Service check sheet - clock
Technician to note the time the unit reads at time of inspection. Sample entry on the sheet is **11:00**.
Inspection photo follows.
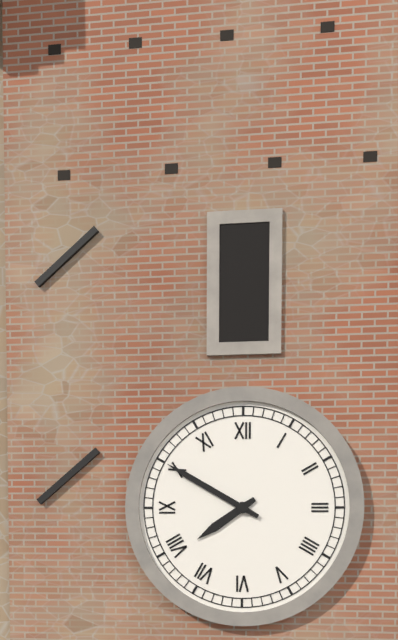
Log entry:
**7:50**
